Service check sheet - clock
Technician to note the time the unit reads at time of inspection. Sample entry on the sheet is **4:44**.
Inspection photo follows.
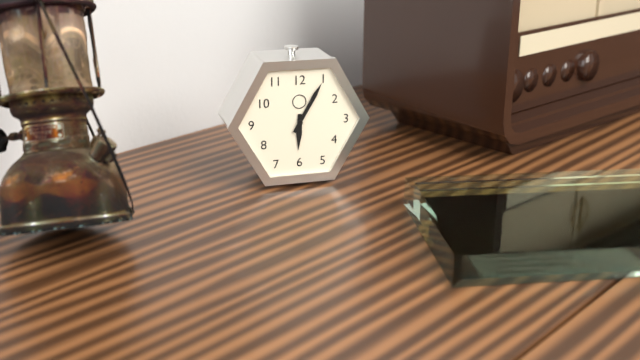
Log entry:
**6:05**
